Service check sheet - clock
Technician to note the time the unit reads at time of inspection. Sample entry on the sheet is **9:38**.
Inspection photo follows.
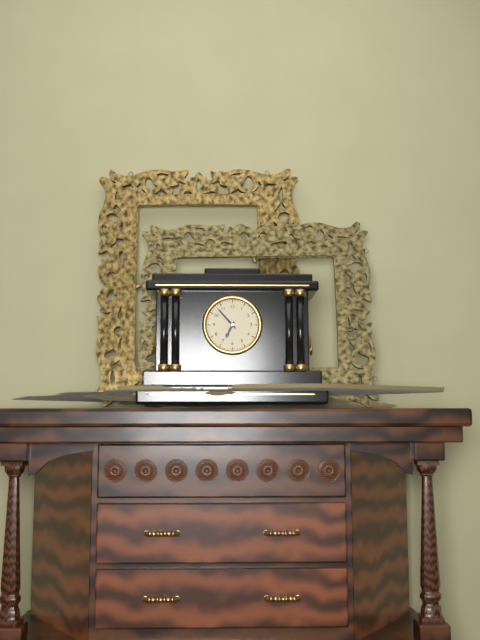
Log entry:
**6:53**
